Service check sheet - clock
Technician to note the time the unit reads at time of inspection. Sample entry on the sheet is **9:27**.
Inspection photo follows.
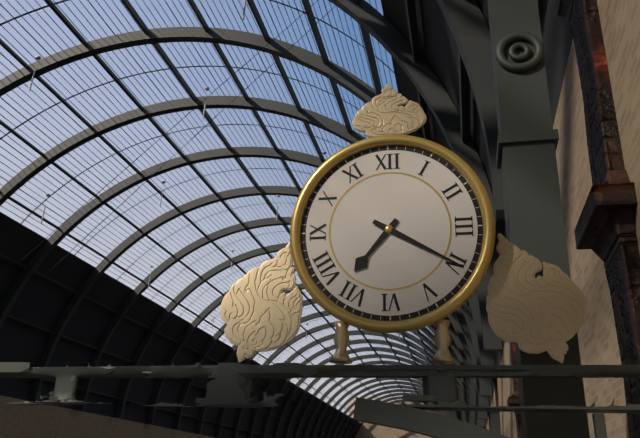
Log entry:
**7:20**
